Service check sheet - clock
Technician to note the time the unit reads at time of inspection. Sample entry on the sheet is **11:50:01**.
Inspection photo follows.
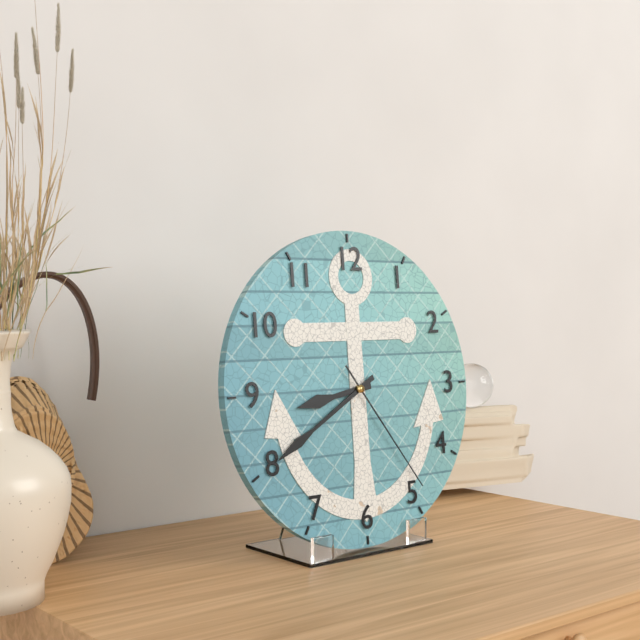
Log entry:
**8:40:24**
